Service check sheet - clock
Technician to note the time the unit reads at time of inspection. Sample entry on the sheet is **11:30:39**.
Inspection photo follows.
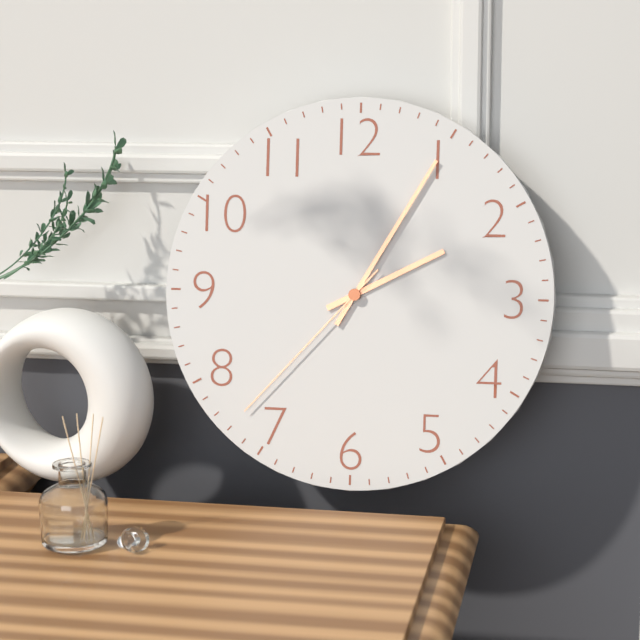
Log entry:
**2:05:37**
